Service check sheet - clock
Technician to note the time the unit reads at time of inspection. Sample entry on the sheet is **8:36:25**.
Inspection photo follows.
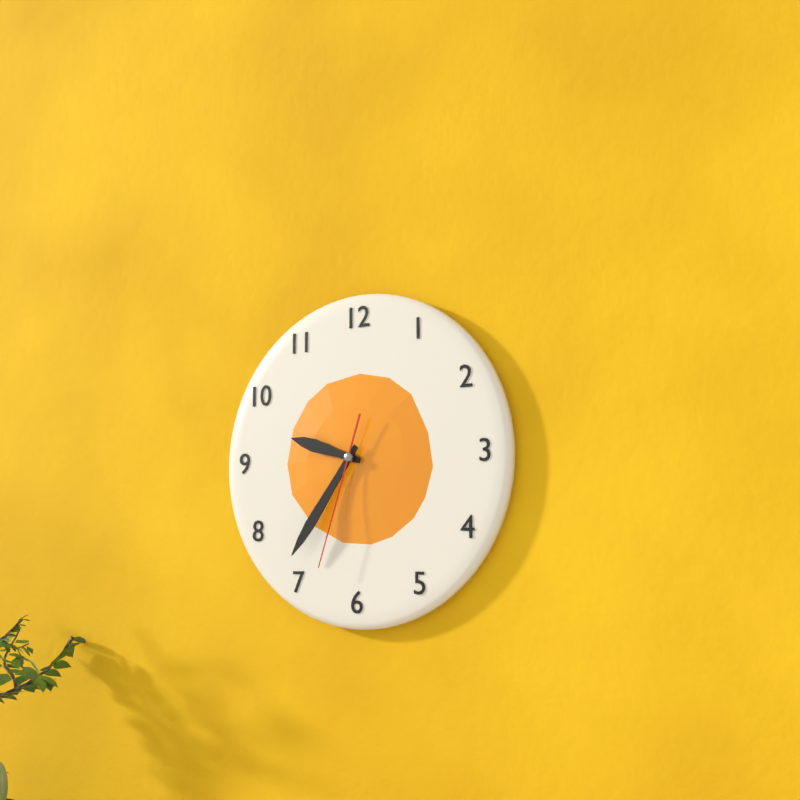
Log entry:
**9:36:33**
